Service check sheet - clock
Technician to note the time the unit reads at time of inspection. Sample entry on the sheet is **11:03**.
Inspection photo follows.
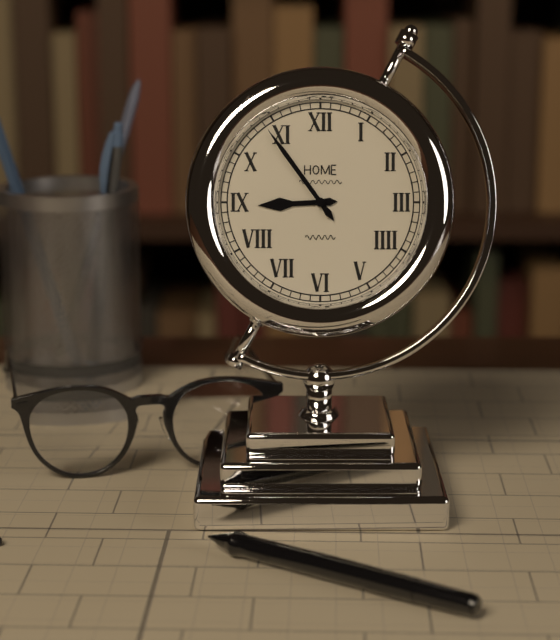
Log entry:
**8:54**
